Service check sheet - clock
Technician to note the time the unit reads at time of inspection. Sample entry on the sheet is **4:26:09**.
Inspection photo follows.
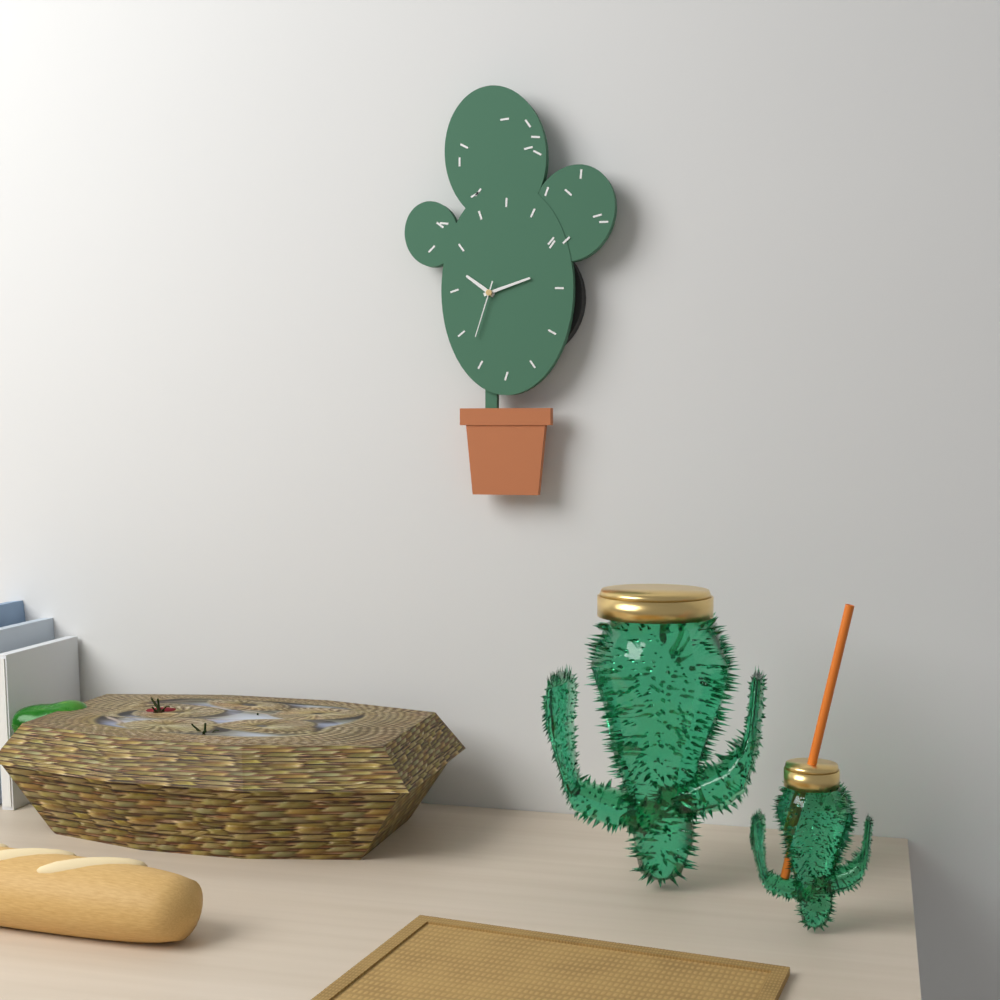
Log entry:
**10:12:33**
